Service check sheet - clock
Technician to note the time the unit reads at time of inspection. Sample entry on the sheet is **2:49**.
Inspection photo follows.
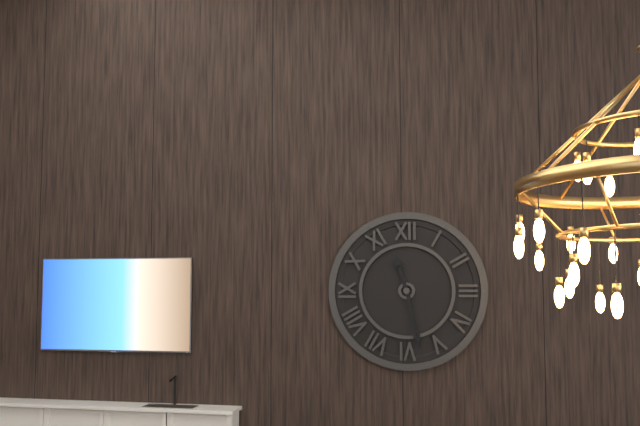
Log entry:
**11:28**
